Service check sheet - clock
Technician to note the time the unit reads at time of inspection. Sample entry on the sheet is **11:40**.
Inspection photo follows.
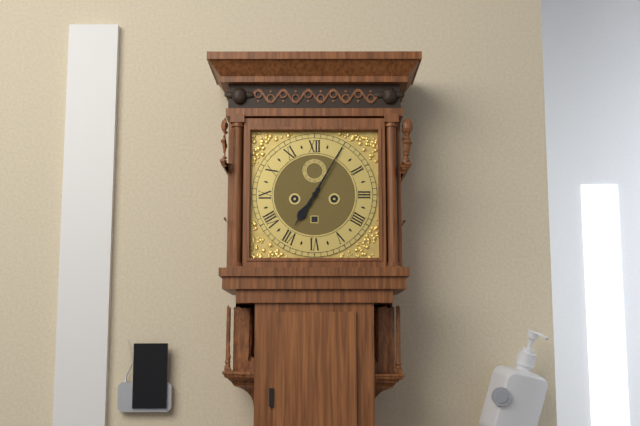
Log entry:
**7:05**
